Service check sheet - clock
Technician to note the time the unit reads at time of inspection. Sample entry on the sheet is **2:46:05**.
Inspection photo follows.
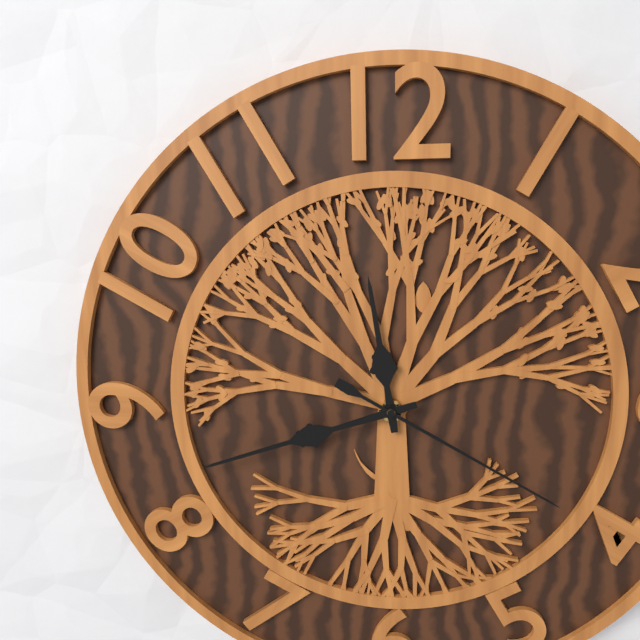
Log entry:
**11:42:20**
